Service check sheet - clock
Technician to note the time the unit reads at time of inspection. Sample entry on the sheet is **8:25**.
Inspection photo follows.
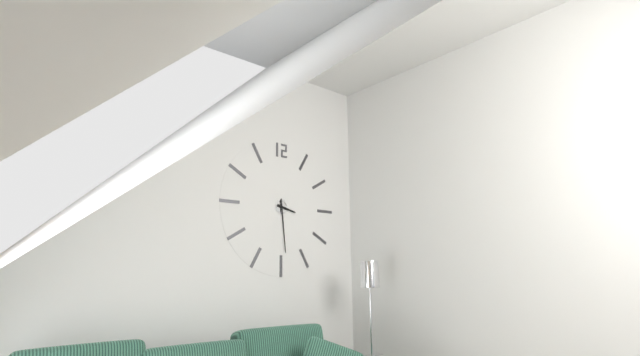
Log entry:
**3:29**
